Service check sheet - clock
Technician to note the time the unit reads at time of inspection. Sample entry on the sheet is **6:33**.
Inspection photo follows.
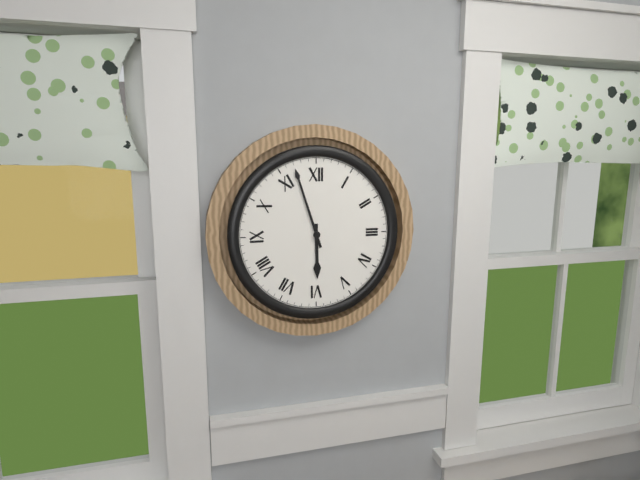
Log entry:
**5:57**
